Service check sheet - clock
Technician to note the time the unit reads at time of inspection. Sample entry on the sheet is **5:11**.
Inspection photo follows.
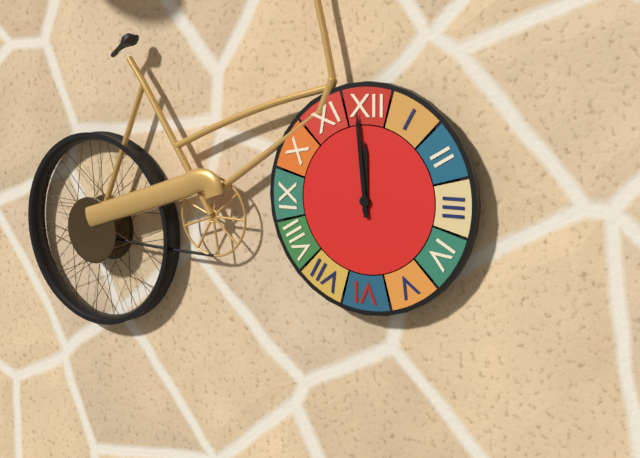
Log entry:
**11:59**
